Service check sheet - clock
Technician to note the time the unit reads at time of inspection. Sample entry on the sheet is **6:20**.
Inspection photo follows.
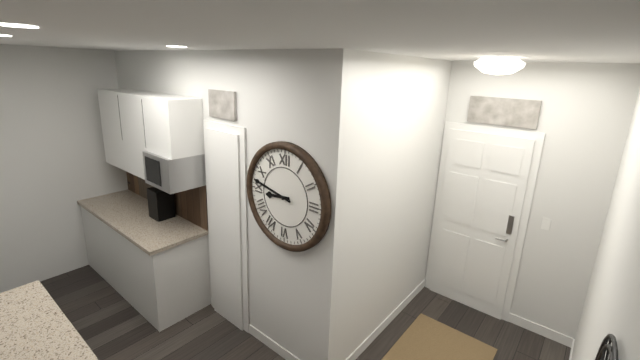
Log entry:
**8:47**
